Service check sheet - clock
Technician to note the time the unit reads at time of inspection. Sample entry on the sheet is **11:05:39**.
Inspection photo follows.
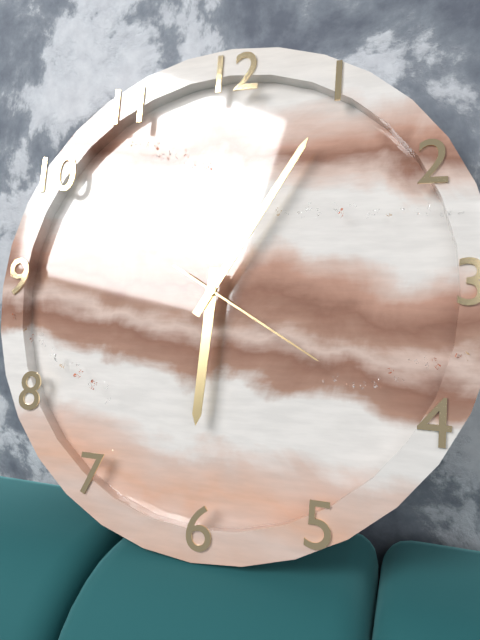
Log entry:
**6:05:20**
